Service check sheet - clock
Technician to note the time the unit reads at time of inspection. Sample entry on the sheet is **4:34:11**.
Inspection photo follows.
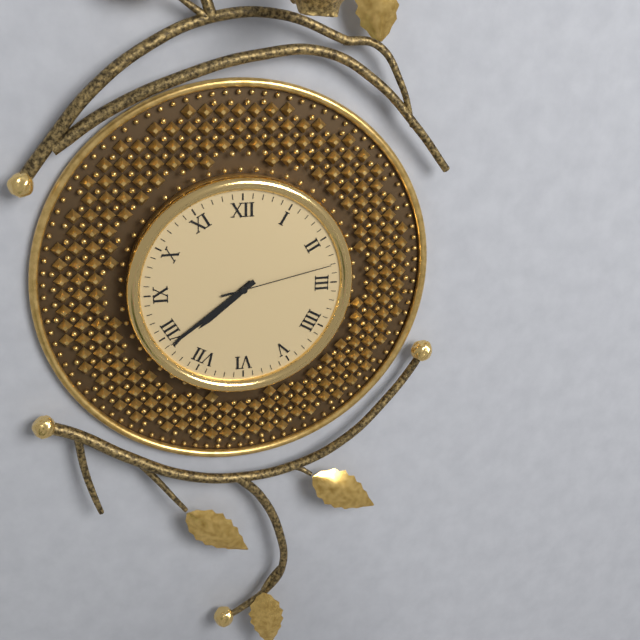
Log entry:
**7:39:13**
